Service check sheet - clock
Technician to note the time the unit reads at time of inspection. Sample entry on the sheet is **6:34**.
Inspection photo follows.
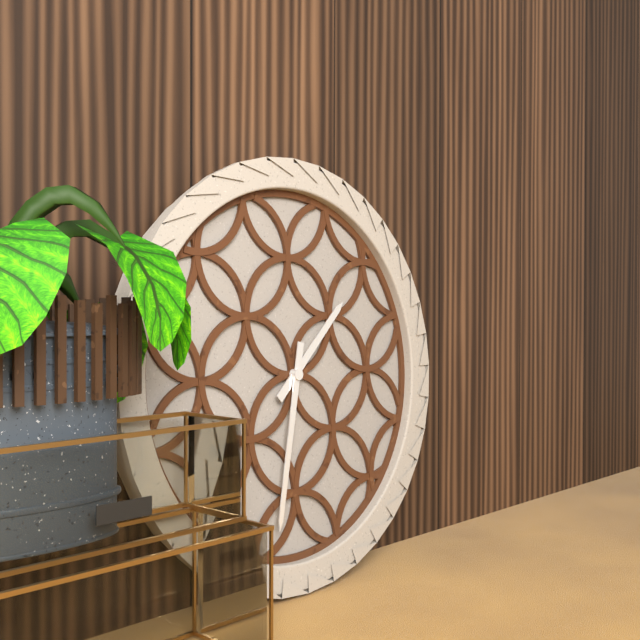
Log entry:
**1:32**
